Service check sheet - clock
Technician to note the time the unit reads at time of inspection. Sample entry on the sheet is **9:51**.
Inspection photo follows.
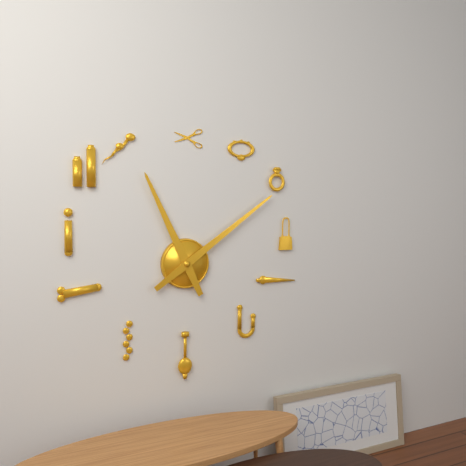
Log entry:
**11:09**
